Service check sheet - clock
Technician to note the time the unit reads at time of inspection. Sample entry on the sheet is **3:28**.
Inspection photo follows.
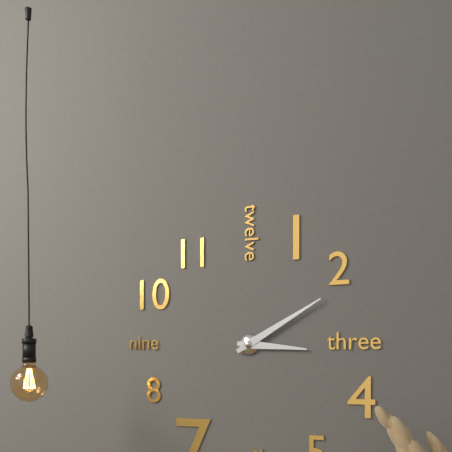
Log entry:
**3:10**
